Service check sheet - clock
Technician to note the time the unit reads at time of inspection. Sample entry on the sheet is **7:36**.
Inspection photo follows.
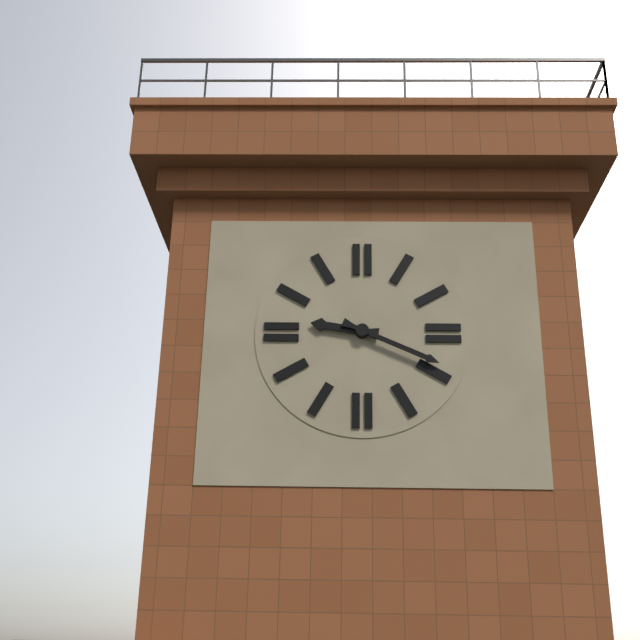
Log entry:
**9:19**
